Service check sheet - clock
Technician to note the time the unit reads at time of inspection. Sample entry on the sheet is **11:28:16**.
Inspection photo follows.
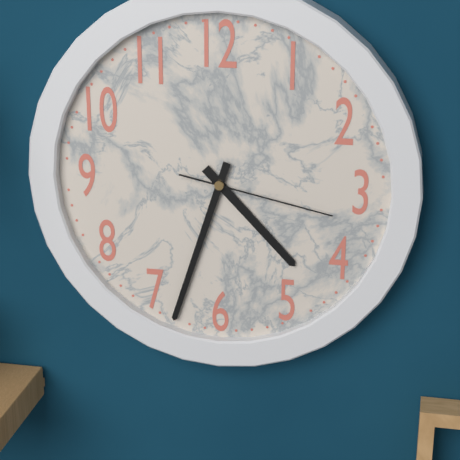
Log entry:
**4:33:17**
